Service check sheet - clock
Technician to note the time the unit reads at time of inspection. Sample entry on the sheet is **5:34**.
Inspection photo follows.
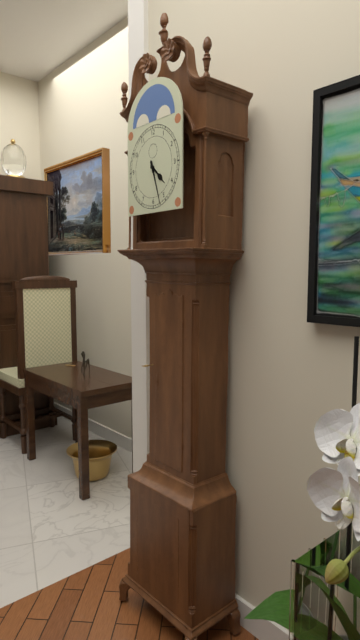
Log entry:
**4:27**
